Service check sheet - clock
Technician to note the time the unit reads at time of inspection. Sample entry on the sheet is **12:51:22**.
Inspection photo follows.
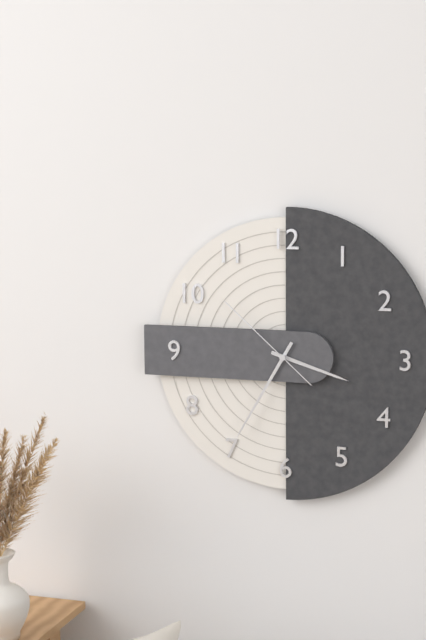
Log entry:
**3:35:52**
